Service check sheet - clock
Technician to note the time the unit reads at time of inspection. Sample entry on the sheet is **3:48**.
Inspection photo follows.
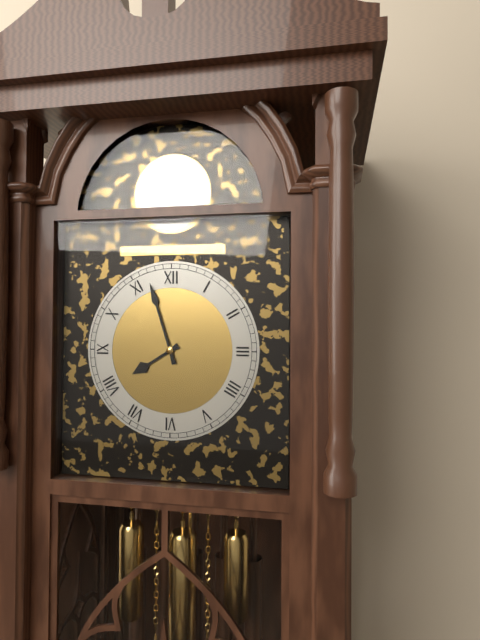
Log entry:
**7:57**
